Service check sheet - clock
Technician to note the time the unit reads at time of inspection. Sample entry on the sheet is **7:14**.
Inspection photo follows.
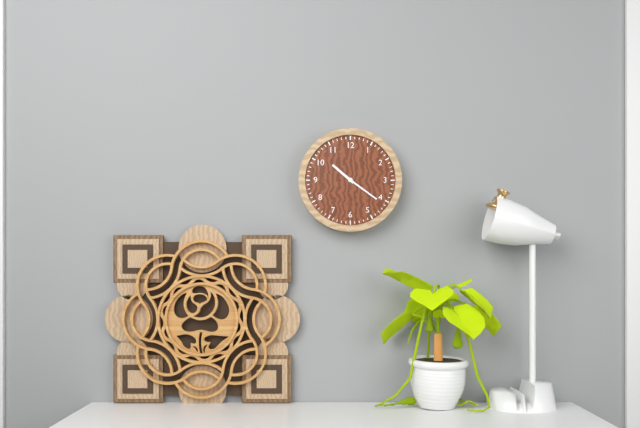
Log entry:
**10:21**
